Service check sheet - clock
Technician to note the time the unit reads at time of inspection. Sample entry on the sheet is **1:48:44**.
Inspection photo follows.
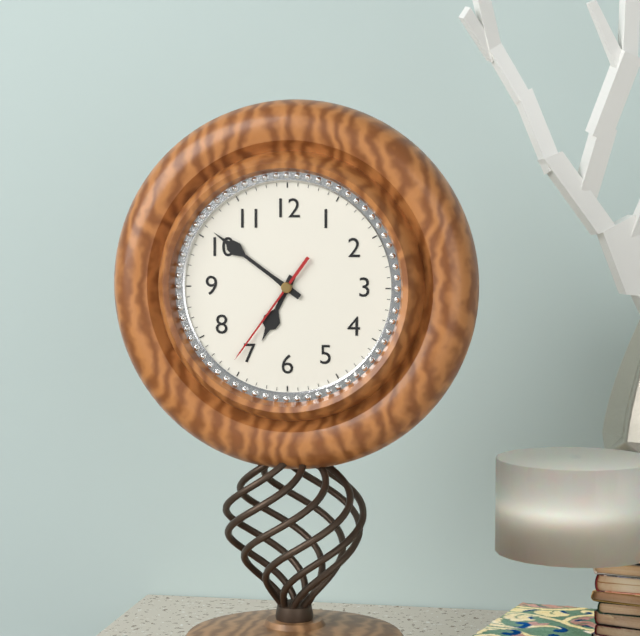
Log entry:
**6:51:36**
